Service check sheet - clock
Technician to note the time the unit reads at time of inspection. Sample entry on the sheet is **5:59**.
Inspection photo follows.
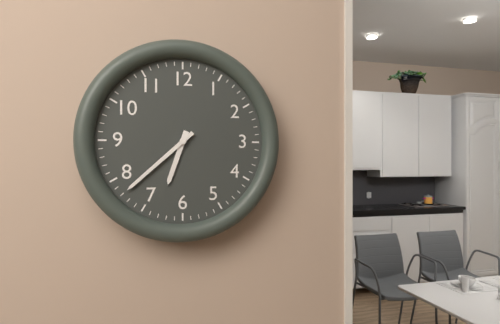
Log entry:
**6:38**
